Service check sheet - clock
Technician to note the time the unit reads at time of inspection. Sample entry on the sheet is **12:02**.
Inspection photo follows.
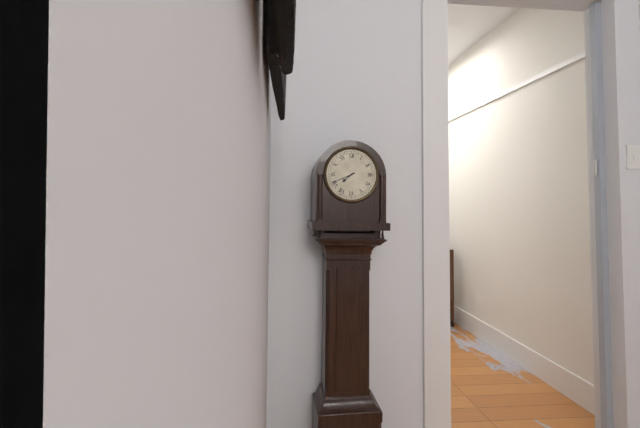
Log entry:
**7:41**
